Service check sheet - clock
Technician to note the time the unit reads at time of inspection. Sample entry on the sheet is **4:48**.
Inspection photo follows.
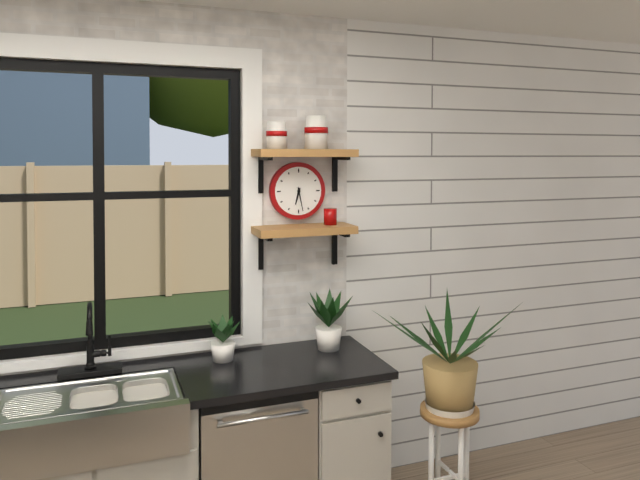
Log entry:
**6:28**
